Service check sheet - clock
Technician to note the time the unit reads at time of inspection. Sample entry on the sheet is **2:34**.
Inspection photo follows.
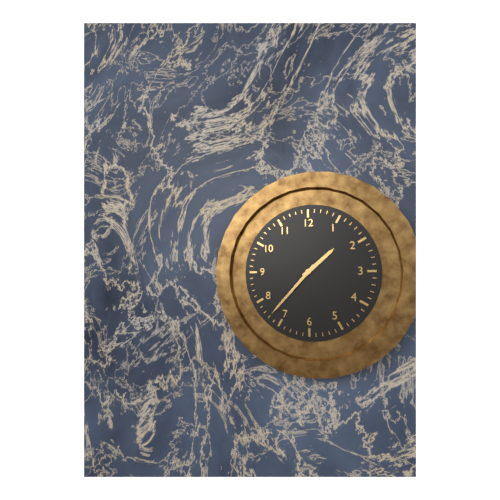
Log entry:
**1:37**
